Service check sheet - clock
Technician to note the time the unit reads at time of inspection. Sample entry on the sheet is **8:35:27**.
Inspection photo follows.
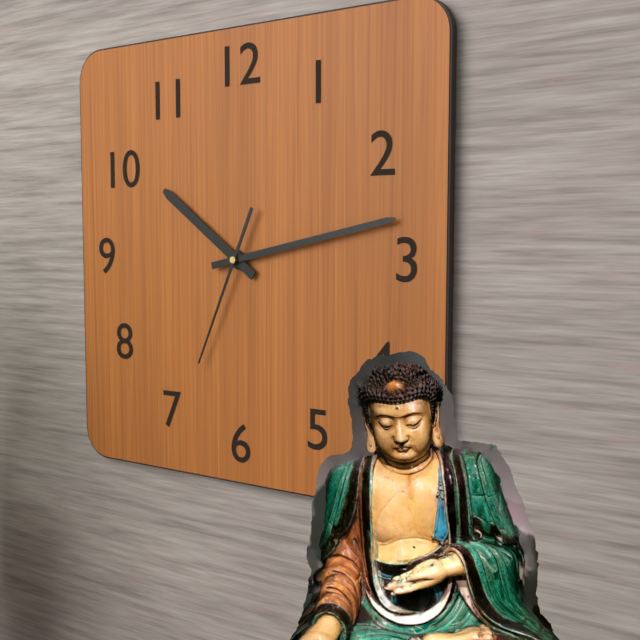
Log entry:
**10:13:34**
